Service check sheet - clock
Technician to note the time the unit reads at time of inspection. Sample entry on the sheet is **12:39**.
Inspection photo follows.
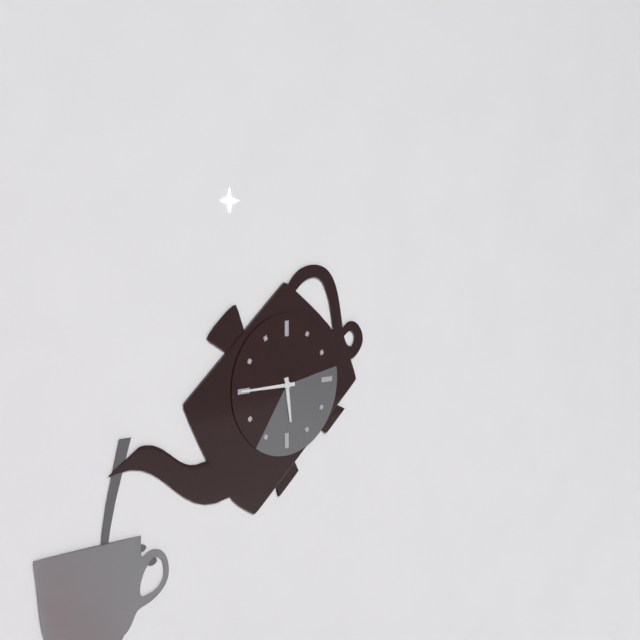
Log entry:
**5:45**
